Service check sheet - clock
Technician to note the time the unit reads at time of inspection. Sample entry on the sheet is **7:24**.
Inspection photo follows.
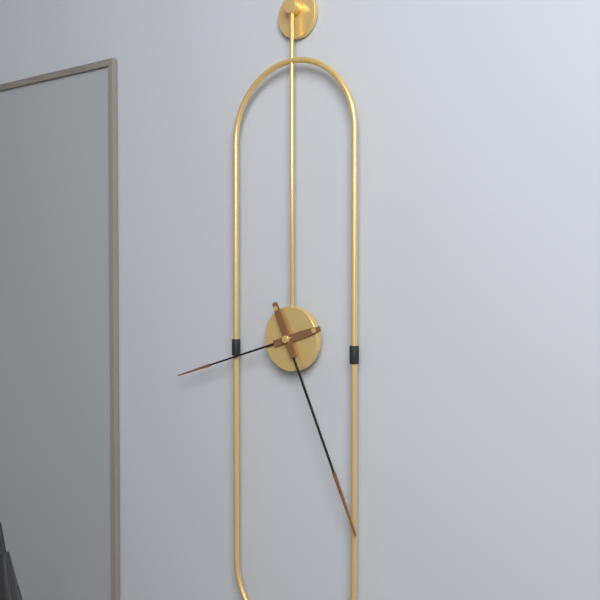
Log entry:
**8:26**
